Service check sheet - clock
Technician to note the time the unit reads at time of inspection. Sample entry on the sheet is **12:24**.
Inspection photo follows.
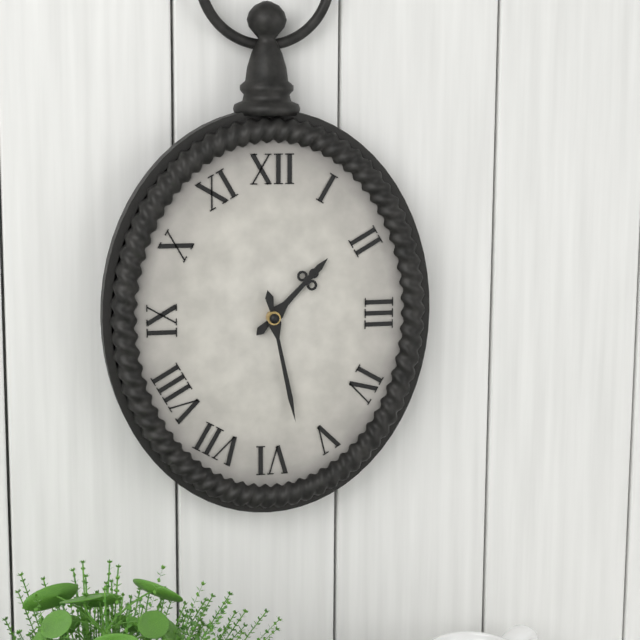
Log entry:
**1:28**
